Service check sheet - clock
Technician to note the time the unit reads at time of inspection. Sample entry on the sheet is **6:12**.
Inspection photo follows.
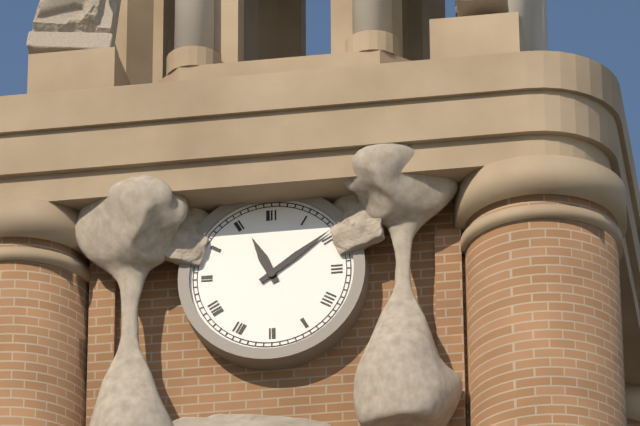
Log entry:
**11:09**
